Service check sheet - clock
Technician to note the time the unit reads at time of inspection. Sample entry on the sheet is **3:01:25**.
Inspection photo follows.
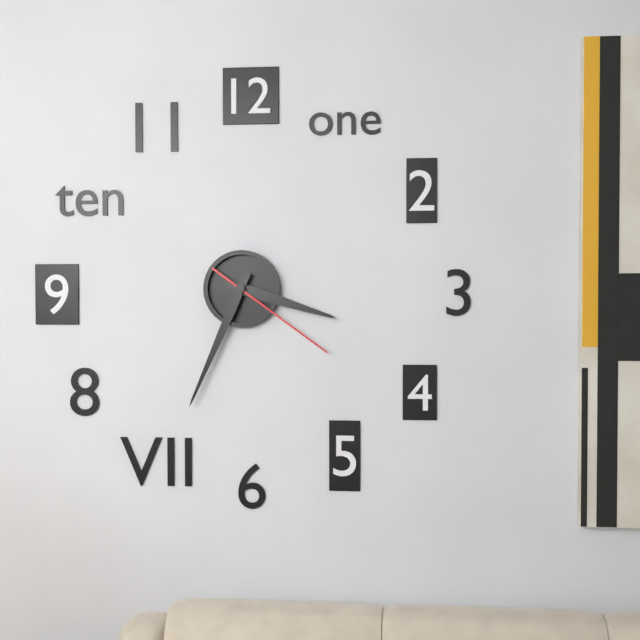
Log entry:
**3:34:21**
